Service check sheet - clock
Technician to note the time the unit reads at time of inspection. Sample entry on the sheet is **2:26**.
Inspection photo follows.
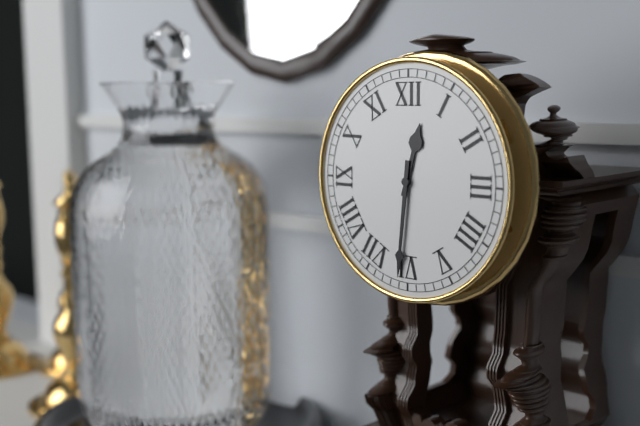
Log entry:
**12:31**
